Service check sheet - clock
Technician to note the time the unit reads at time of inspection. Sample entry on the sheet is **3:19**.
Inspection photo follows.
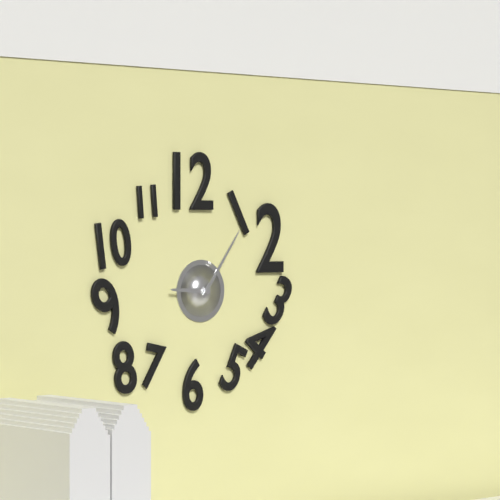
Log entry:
**9:06**
